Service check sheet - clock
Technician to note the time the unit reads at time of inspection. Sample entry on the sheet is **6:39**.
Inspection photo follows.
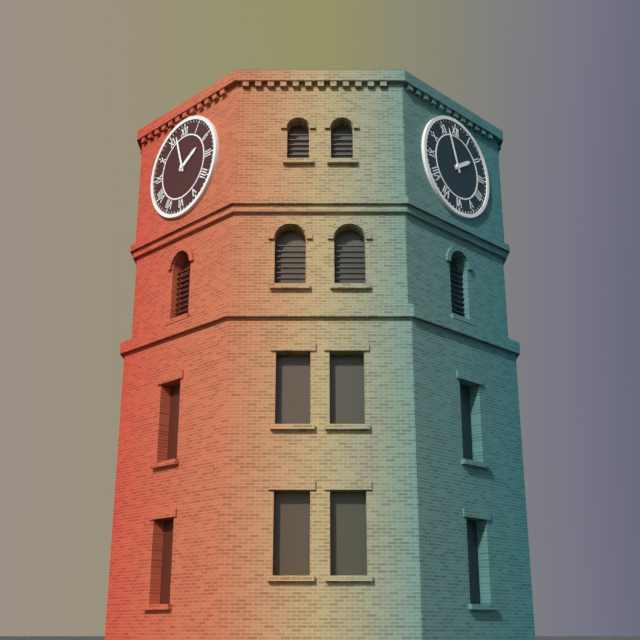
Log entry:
**1:57**
